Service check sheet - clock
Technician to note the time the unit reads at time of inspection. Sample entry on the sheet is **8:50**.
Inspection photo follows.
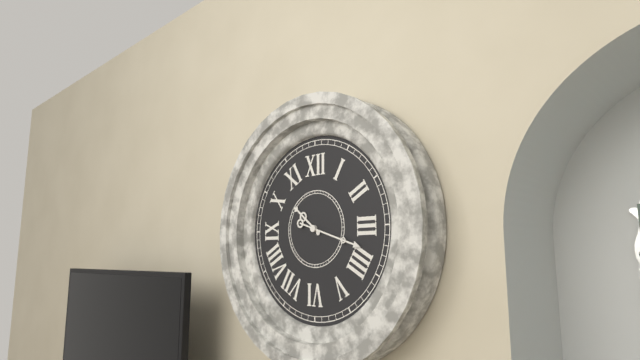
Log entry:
**10:18**
